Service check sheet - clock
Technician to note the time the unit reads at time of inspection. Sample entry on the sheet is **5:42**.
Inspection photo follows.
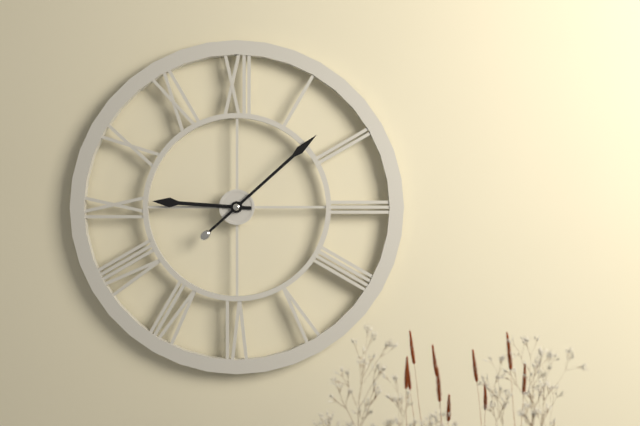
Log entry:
**9:08**
